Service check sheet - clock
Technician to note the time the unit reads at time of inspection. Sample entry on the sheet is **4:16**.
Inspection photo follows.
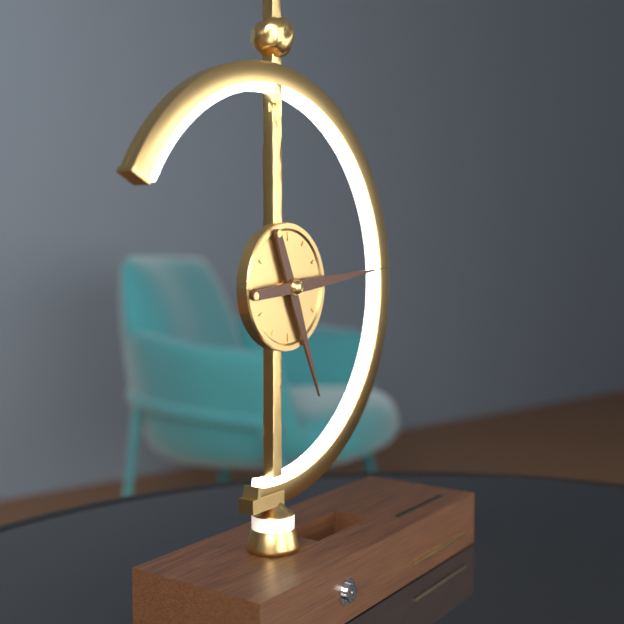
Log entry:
**5:14**
